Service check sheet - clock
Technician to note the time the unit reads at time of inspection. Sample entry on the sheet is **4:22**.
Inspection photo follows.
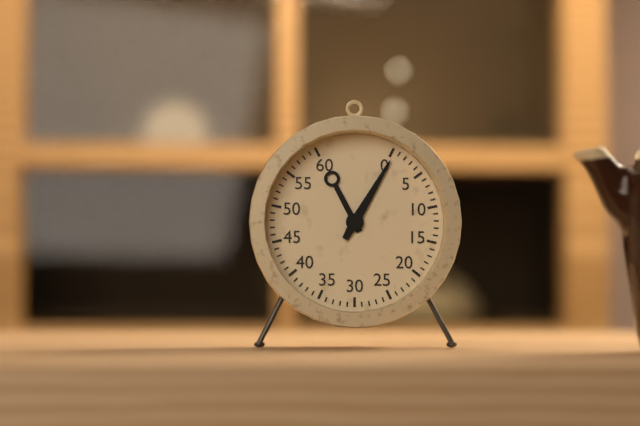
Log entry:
**11:05**
